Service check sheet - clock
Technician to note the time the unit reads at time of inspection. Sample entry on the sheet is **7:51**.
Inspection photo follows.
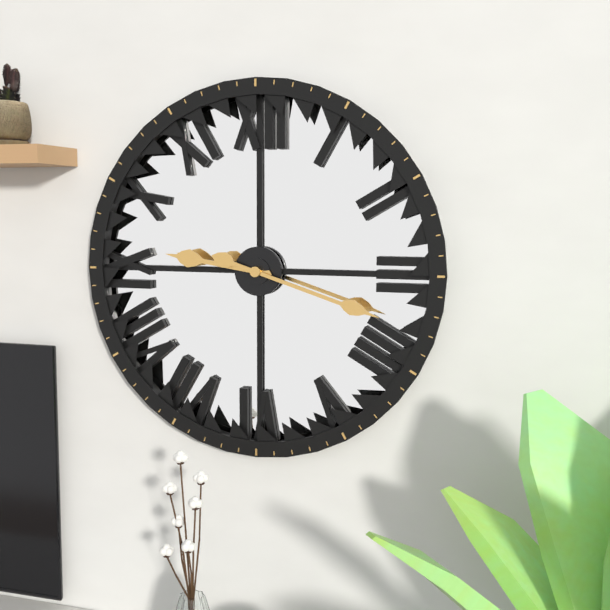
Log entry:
**9:18**
